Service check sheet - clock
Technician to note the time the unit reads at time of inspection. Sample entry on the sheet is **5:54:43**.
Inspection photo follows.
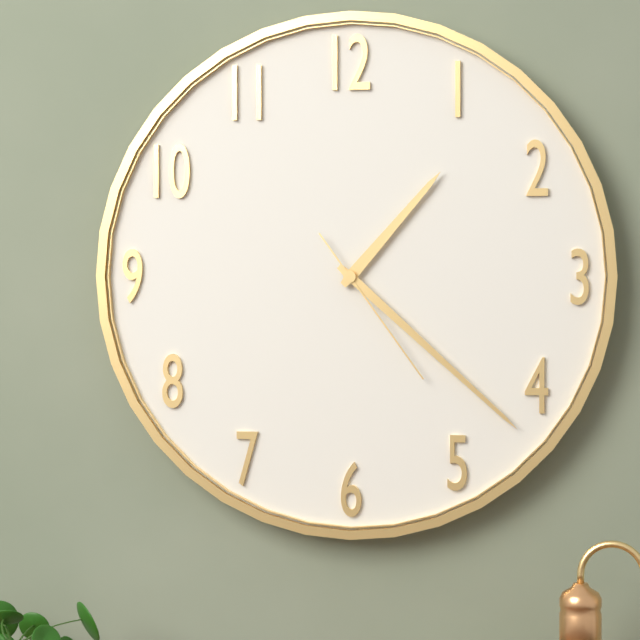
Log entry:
**1:22:24**
